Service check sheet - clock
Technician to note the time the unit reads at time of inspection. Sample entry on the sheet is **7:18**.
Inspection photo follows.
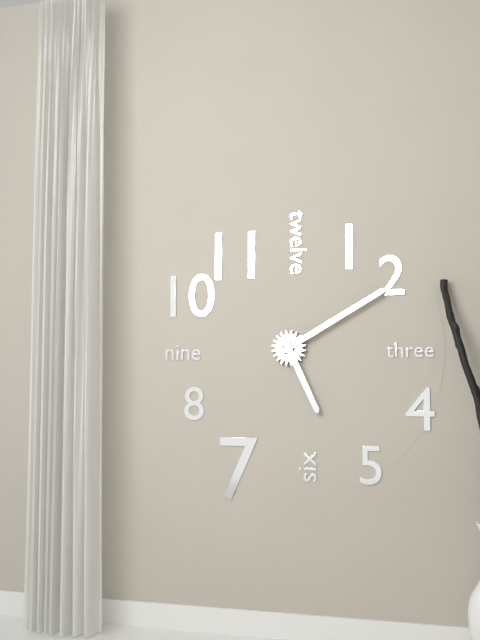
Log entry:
**5:10**
